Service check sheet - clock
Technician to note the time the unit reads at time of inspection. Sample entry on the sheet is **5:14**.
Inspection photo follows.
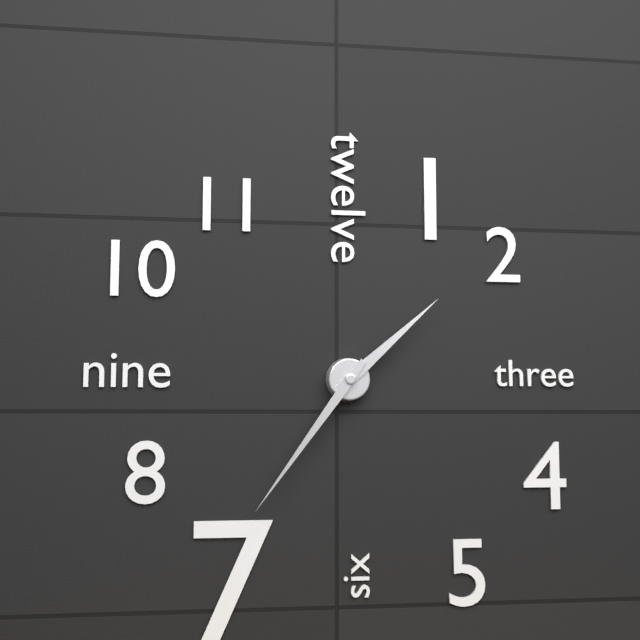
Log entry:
**1:36**
